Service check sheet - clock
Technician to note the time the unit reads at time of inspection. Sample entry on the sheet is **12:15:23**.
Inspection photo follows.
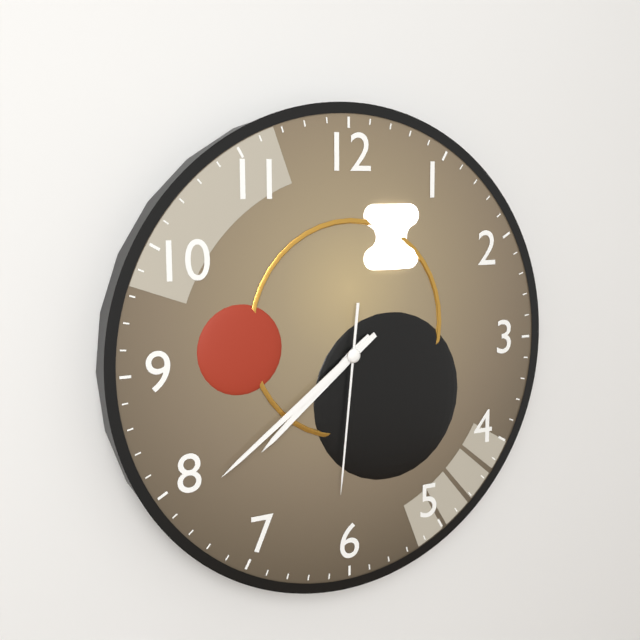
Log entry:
**7:39:31**
